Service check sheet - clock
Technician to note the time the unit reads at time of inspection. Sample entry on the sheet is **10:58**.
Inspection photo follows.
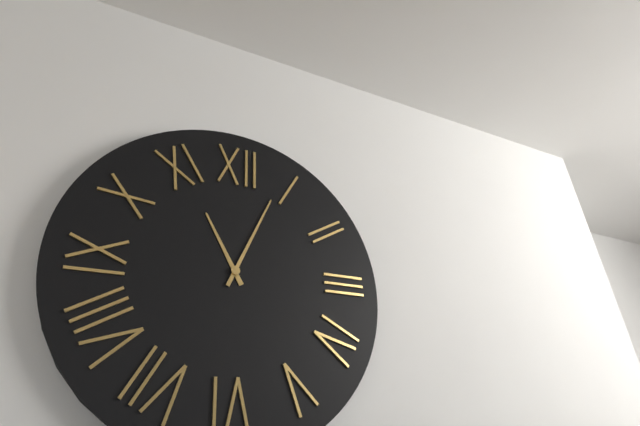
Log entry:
**11:04**
